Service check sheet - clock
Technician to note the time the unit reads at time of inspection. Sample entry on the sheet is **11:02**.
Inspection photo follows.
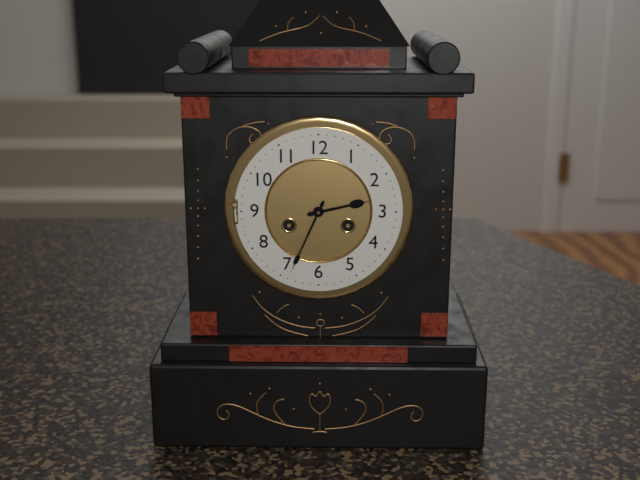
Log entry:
**2:34**
